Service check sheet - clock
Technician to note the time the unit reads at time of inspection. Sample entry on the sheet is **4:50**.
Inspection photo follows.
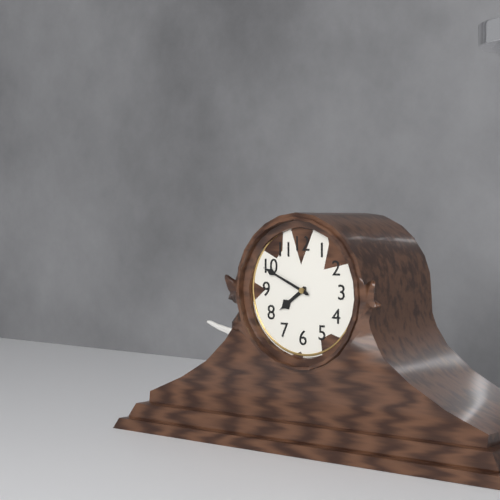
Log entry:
**7:49**
